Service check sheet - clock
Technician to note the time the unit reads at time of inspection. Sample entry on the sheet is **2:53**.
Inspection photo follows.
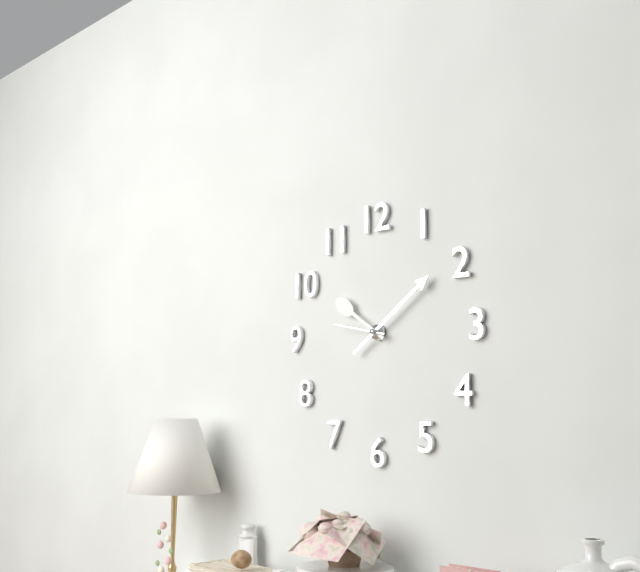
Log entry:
**10:09**
